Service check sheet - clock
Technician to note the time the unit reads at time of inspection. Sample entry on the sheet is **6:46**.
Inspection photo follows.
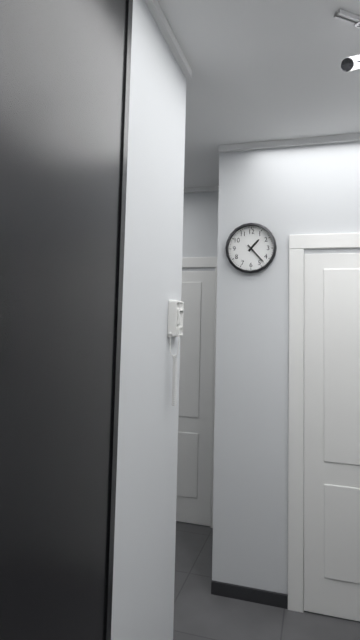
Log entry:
**1:23**
